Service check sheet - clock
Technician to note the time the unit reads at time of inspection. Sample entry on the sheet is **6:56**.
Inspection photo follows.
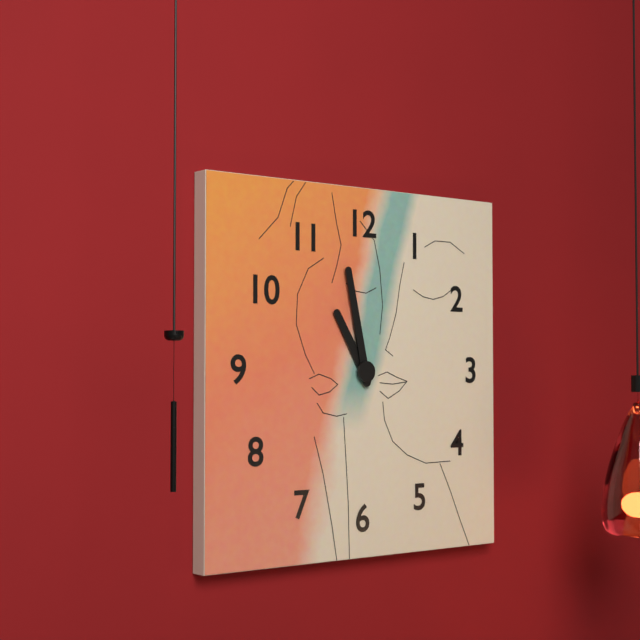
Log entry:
**10:58**
